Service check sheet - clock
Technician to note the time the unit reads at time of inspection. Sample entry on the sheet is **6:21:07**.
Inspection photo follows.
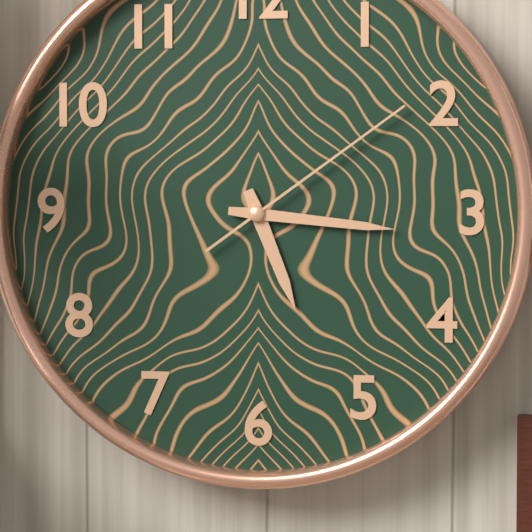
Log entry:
**5:16:09**
